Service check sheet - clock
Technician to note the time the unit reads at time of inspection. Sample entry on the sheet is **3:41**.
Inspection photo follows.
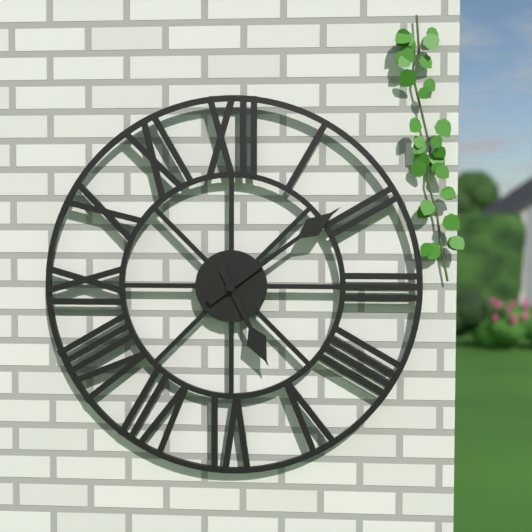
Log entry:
**5:09**
